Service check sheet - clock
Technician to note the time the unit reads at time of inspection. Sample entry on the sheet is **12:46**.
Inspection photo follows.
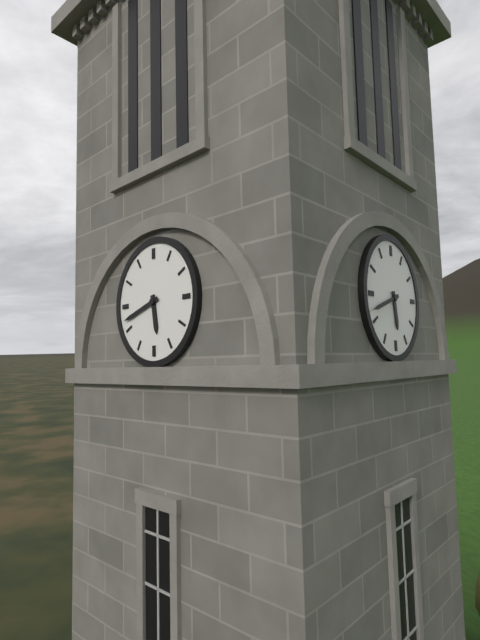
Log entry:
**5:42**
